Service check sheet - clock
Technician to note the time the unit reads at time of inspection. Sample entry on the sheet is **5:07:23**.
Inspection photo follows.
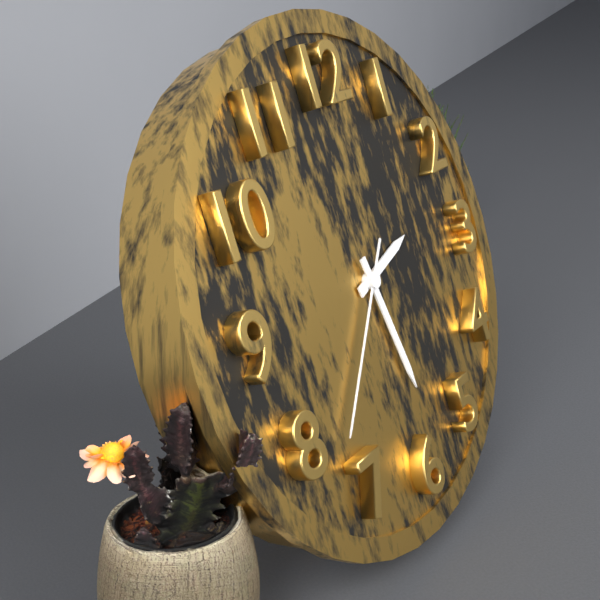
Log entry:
**2:28:37**
